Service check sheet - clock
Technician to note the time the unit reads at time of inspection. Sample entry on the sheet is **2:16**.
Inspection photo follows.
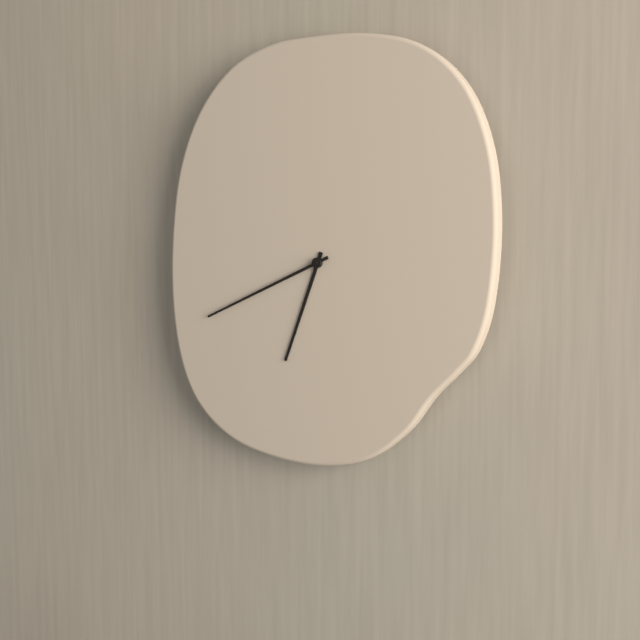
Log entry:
**6:41**
